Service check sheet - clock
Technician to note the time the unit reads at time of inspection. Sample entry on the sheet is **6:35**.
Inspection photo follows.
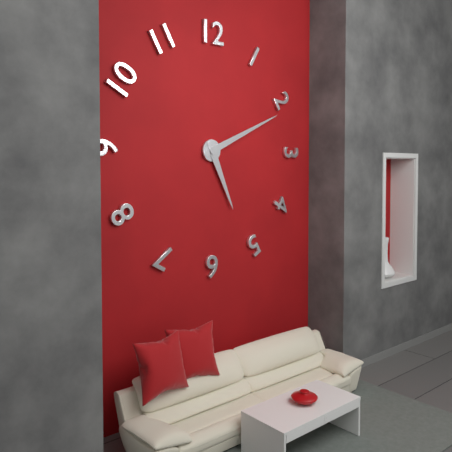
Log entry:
**5:11**
